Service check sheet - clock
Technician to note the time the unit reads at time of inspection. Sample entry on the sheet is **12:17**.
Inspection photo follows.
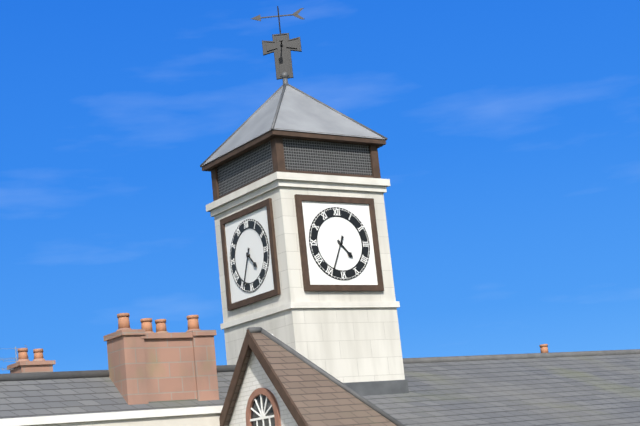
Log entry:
**4:34**
